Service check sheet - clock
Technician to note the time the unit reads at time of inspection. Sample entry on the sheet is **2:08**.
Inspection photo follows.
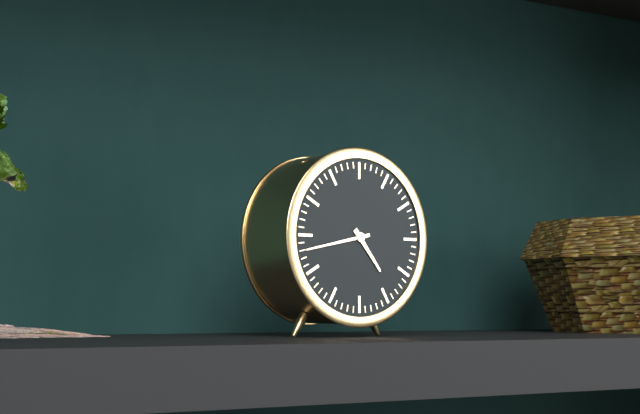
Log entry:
**4:43**
